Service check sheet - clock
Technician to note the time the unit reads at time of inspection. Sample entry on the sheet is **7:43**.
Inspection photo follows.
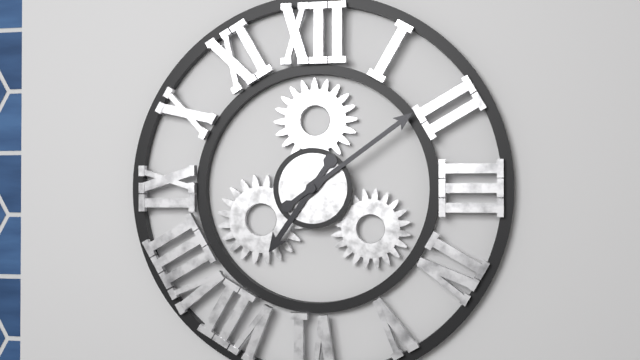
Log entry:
**7:09**
